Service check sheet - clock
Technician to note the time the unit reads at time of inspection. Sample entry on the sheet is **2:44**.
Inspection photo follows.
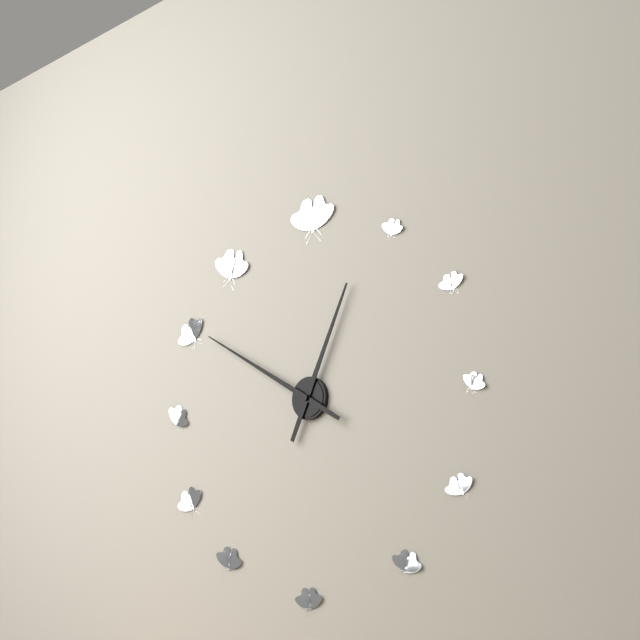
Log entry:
**12:50**
